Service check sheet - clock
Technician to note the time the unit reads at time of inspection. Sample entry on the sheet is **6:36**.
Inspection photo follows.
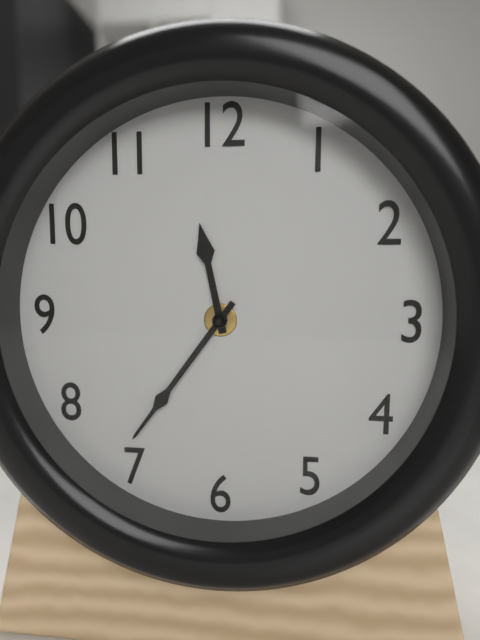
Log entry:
**11:36**
